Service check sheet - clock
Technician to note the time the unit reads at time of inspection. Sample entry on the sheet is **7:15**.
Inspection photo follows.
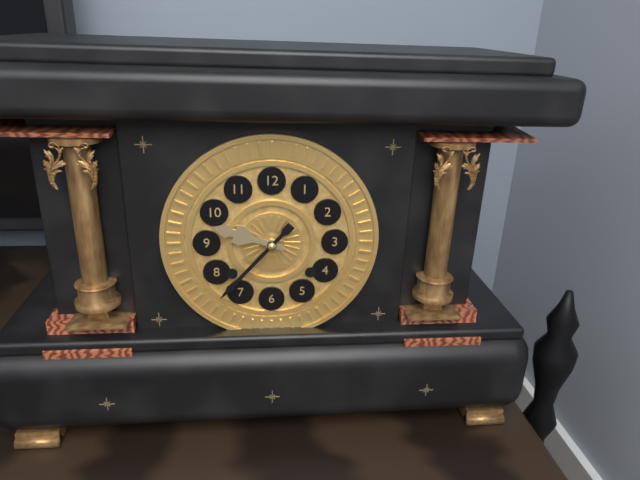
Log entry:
**9:37**
